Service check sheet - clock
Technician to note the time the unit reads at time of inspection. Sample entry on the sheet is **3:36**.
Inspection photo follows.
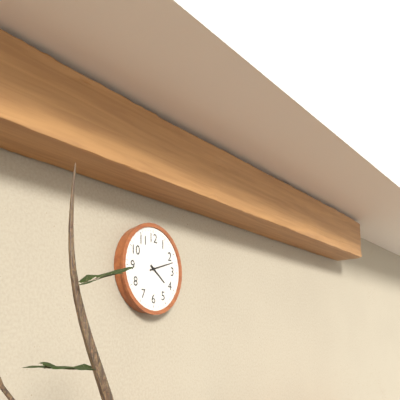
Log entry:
**4:12**
